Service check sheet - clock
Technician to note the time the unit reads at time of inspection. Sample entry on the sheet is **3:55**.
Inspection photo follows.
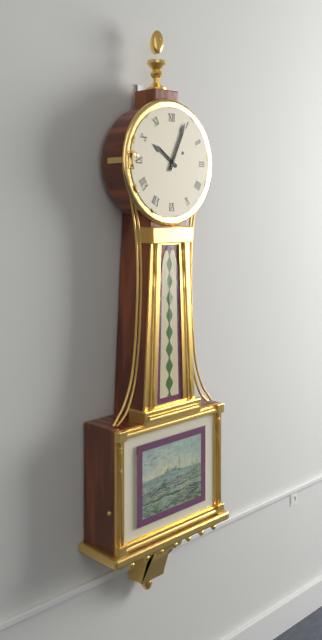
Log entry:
**10:04**
